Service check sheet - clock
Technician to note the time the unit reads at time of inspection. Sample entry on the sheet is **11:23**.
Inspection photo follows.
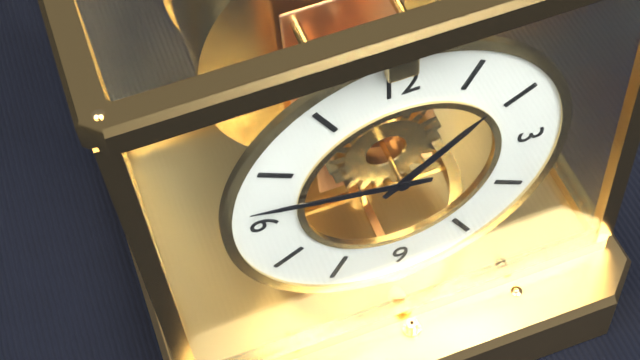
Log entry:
**1:47**
